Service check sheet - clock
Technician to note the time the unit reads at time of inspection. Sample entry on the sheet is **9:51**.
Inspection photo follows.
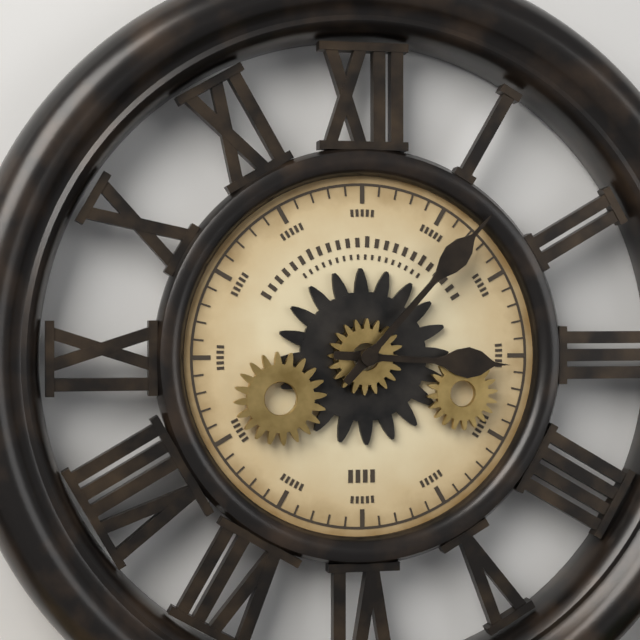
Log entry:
**3:07**
